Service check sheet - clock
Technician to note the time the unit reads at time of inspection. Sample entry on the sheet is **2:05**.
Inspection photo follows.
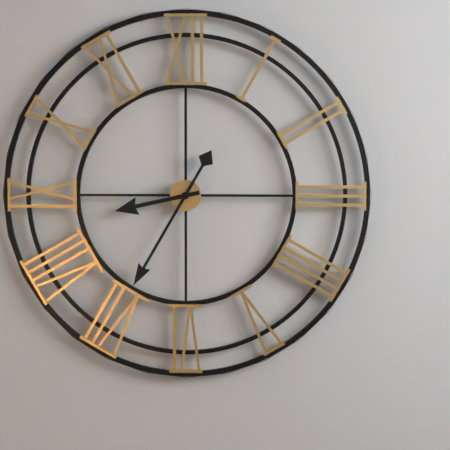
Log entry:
**8:35**
